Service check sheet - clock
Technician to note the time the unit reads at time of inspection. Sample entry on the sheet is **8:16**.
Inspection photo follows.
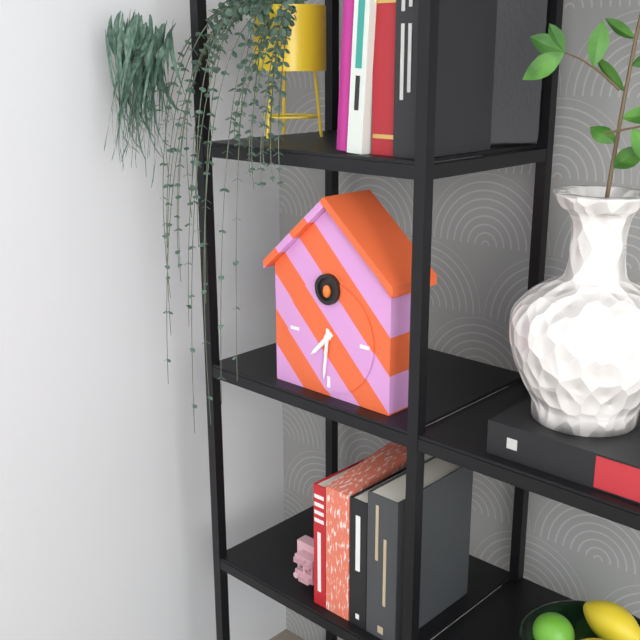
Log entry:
**7:31**
